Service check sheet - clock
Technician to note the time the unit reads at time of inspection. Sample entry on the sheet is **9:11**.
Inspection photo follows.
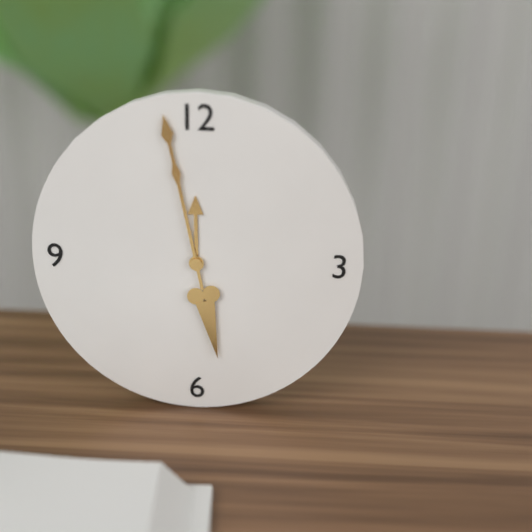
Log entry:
**11:58**
